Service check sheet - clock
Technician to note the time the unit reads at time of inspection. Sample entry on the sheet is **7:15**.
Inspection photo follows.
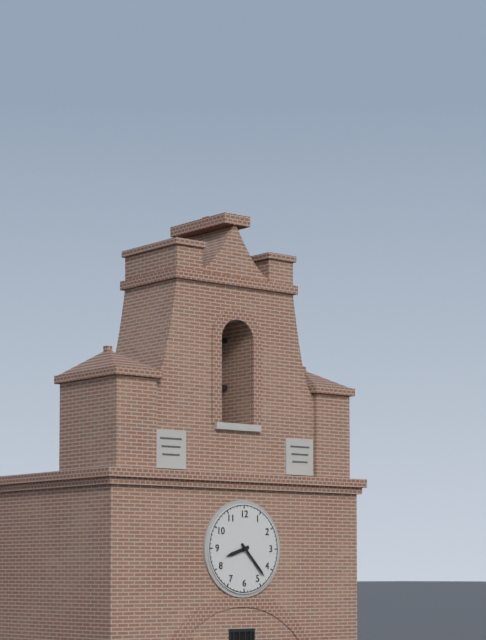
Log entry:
**8:23**
